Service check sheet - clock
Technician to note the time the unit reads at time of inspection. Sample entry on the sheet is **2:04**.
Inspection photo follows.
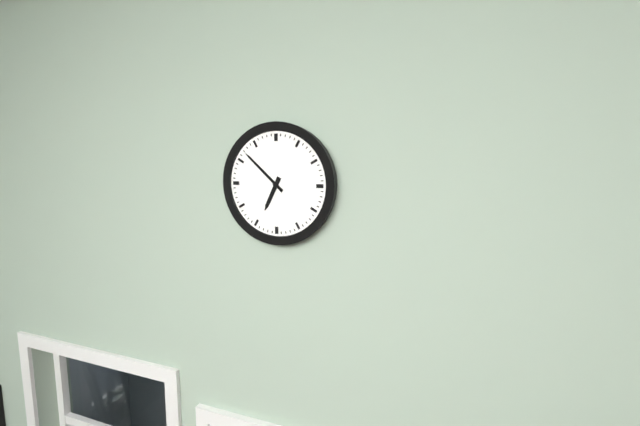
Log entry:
**6:52**
